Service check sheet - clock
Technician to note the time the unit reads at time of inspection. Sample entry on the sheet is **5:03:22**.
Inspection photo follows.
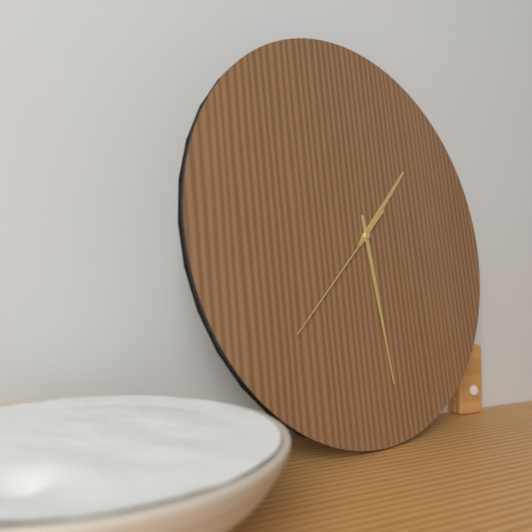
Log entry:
**1:29:38**
